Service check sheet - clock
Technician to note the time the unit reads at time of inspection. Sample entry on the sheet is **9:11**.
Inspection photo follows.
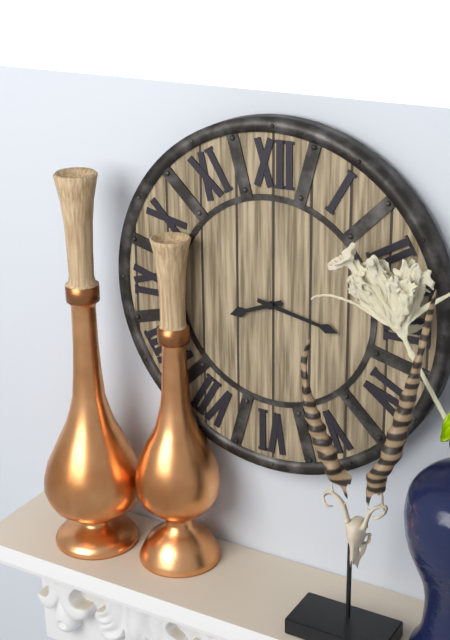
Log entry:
**8:17**
